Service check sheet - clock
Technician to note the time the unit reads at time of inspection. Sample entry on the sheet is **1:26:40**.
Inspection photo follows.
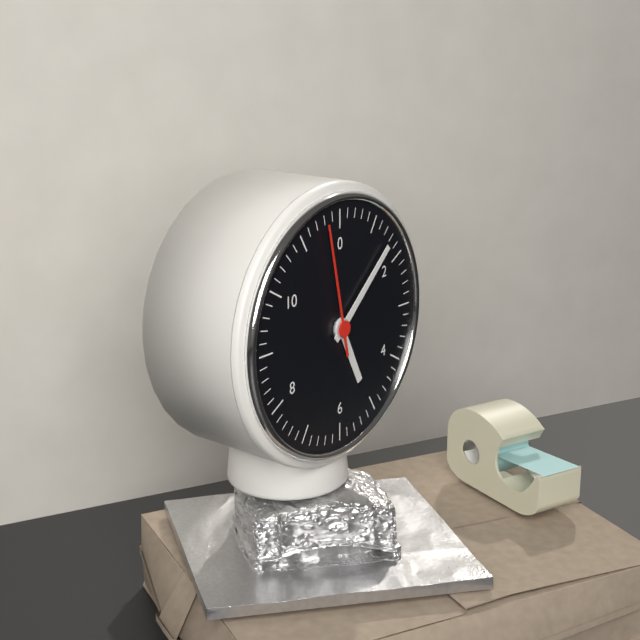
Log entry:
**5:08:58**
